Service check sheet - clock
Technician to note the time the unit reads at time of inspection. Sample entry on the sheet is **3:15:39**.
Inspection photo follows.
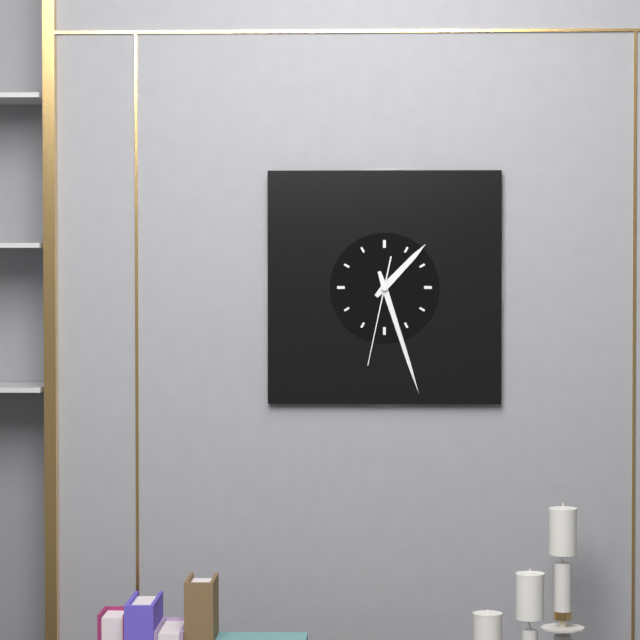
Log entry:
**1:27:32**
